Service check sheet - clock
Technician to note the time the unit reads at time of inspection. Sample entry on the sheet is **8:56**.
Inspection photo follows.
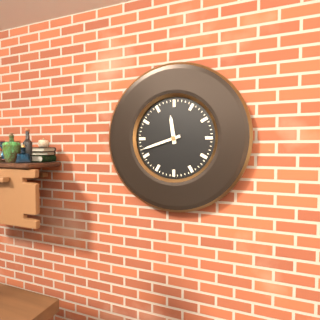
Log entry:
**11:42**
